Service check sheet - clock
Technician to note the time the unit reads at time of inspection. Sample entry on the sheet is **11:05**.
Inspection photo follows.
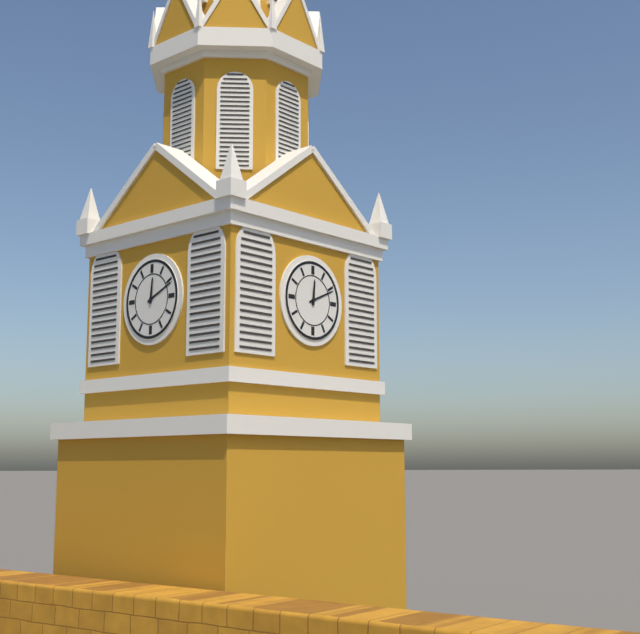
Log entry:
**12:11**
